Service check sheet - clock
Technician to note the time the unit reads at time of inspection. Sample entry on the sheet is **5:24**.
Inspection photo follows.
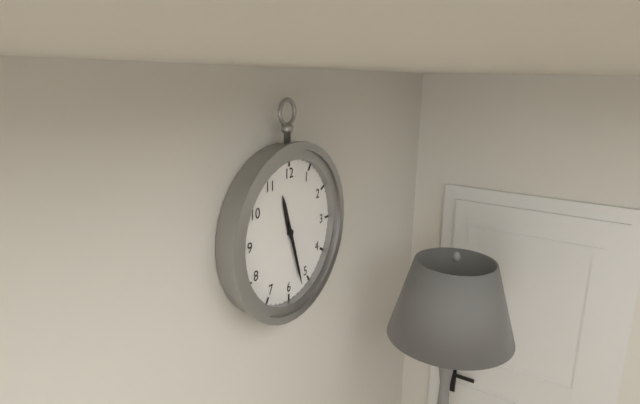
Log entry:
**11:27**
